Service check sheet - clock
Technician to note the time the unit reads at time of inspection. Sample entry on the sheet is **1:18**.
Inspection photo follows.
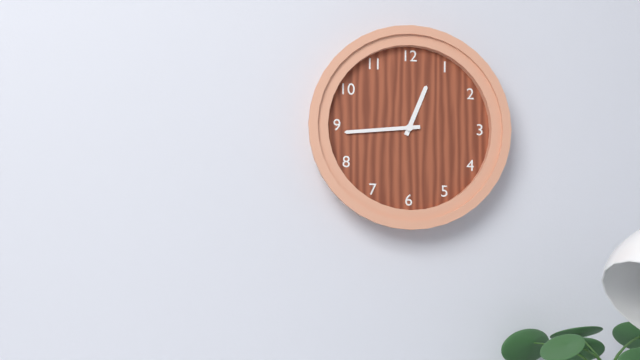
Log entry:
**12:44**
